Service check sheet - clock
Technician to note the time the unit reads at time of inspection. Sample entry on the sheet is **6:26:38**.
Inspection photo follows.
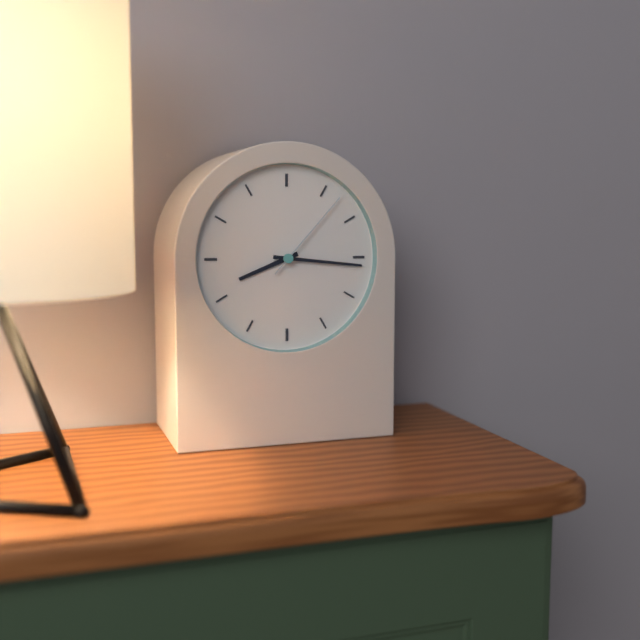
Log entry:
**8:16:07**
